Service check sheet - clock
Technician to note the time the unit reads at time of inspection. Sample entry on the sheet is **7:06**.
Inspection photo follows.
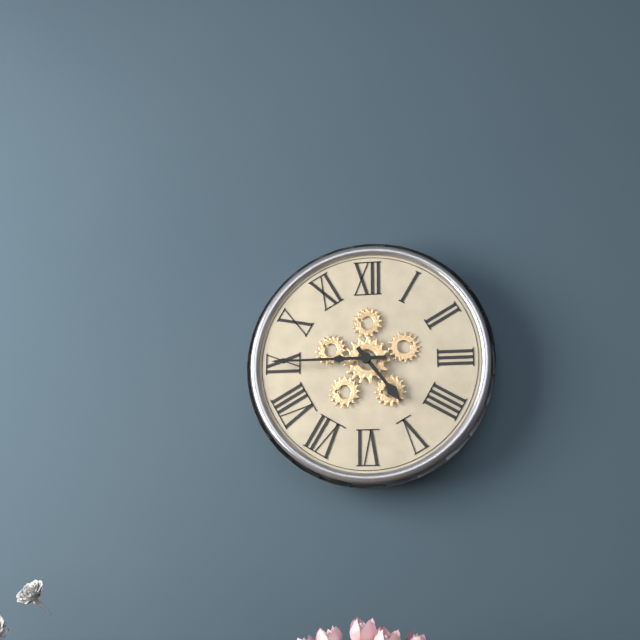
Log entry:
**4:45**
